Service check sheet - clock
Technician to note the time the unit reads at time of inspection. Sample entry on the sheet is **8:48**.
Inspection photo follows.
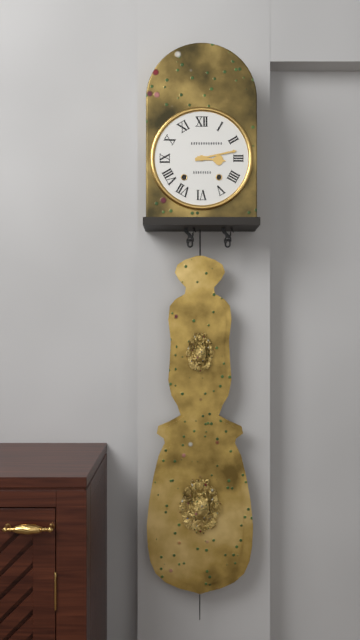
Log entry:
**3:13**
